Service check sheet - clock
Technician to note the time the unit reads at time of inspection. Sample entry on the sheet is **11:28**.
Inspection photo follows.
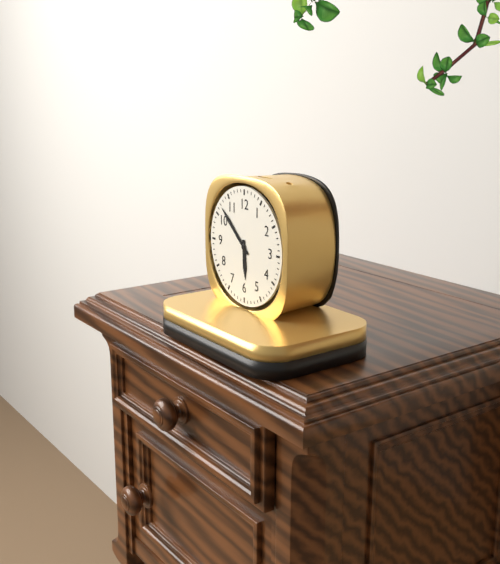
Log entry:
**5:52**
